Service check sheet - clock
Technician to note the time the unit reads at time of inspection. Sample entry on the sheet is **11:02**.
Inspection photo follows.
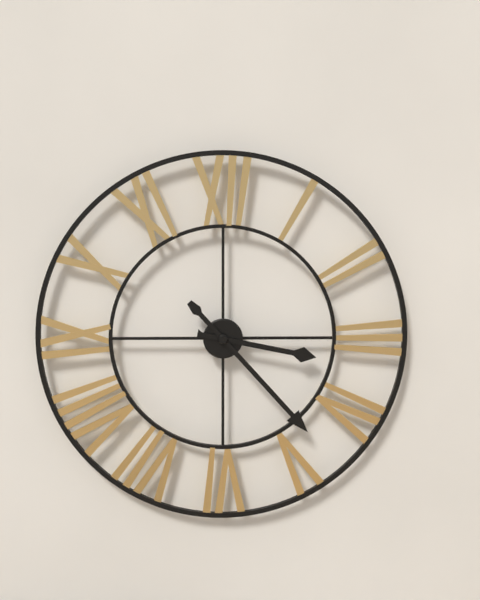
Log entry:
**3:23**
